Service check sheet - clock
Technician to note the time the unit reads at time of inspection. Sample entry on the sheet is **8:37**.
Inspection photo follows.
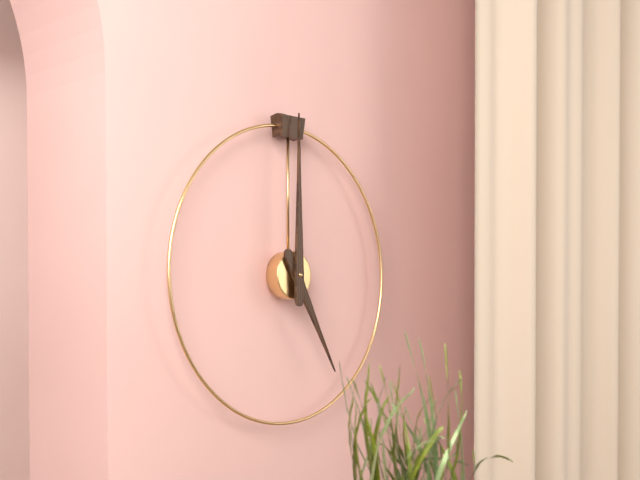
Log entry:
**5:00**
